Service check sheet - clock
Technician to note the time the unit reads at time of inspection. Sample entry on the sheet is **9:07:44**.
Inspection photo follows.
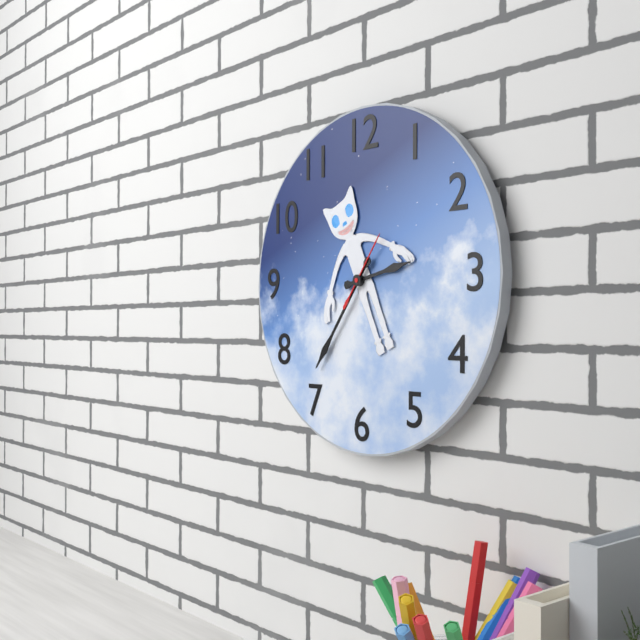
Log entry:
**2:36:06**
